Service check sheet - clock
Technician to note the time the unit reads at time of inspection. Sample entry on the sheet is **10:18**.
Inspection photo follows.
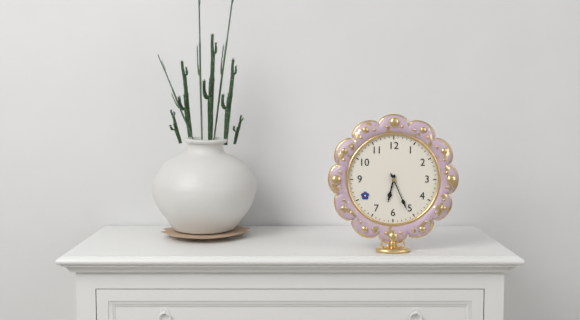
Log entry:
**6:26**
